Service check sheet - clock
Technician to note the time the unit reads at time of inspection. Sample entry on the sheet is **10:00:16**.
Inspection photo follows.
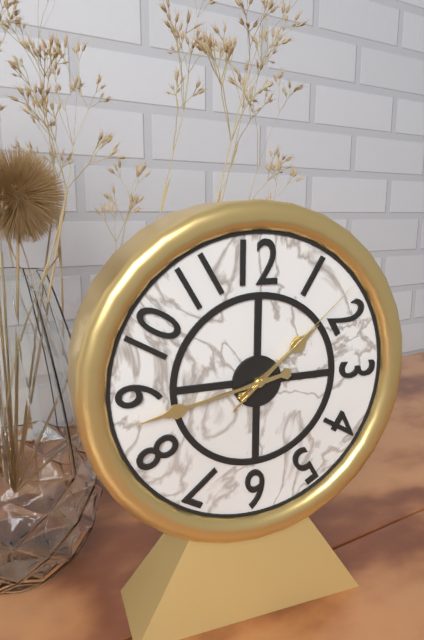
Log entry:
**1:43:08**
